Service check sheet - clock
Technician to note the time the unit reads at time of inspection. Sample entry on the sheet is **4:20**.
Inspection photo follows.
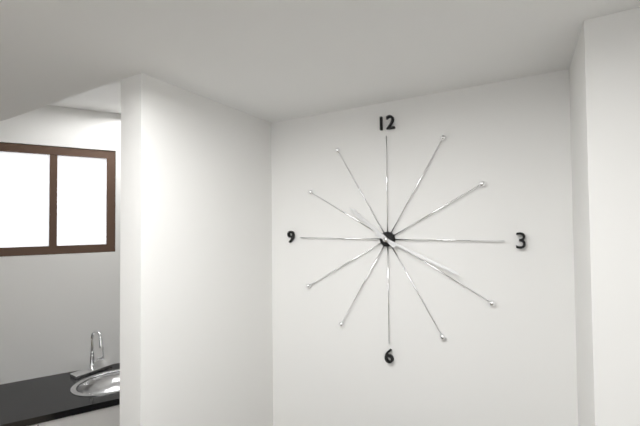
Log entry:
**10:19**
